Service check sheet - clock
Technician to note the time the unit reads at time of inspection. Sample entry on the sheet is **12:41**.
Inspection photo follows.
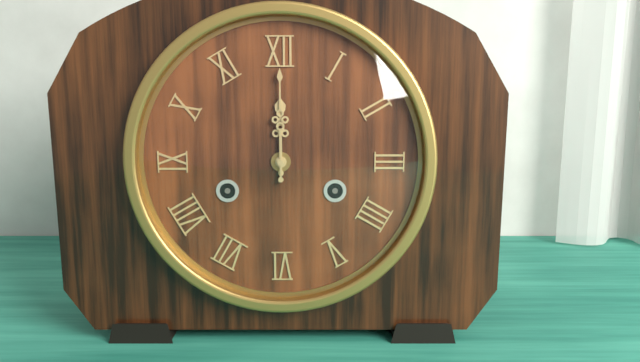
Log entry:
**12:00**
